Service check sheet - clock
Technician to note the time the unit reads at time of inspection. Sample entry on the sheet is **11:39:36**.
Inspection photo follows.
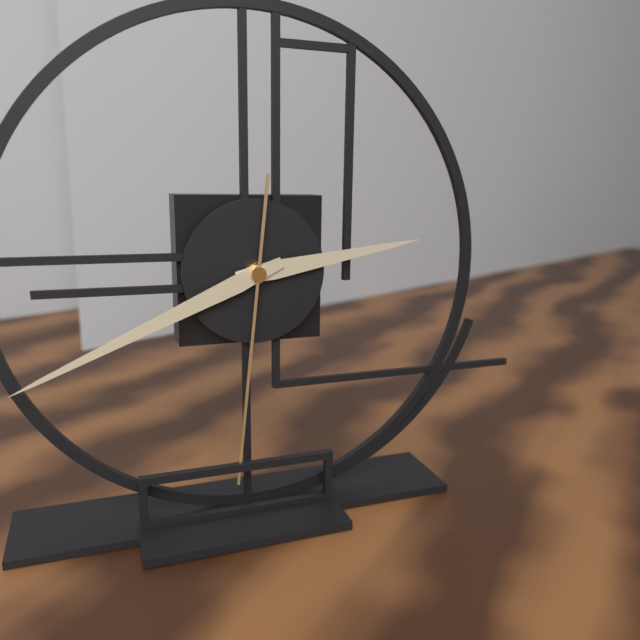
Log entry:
**2:41:31**
